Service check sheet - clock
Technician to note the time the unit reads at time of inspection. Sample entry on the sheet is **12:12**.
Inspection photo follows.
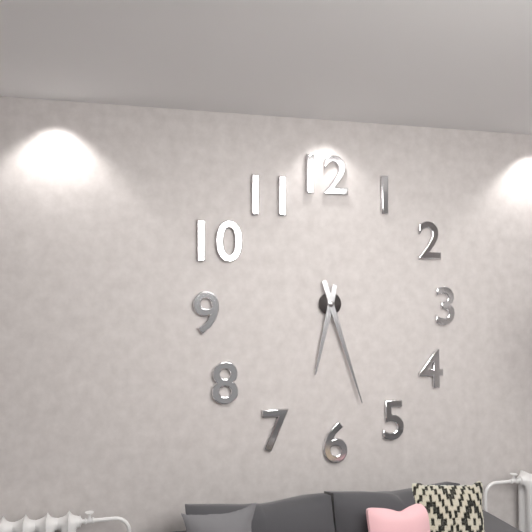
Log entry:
**6:27**
